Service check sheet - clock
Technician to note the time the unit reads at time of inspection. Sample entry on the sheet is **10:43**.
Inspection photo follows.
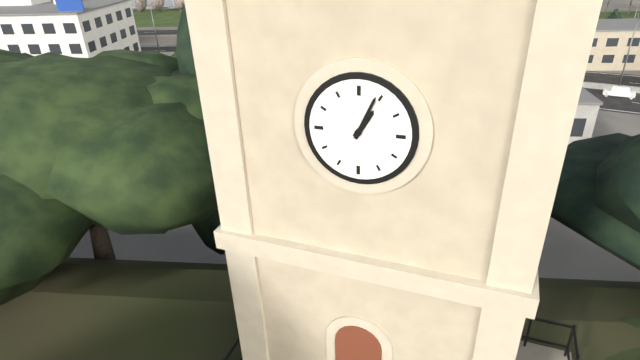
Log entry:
**1:04**
